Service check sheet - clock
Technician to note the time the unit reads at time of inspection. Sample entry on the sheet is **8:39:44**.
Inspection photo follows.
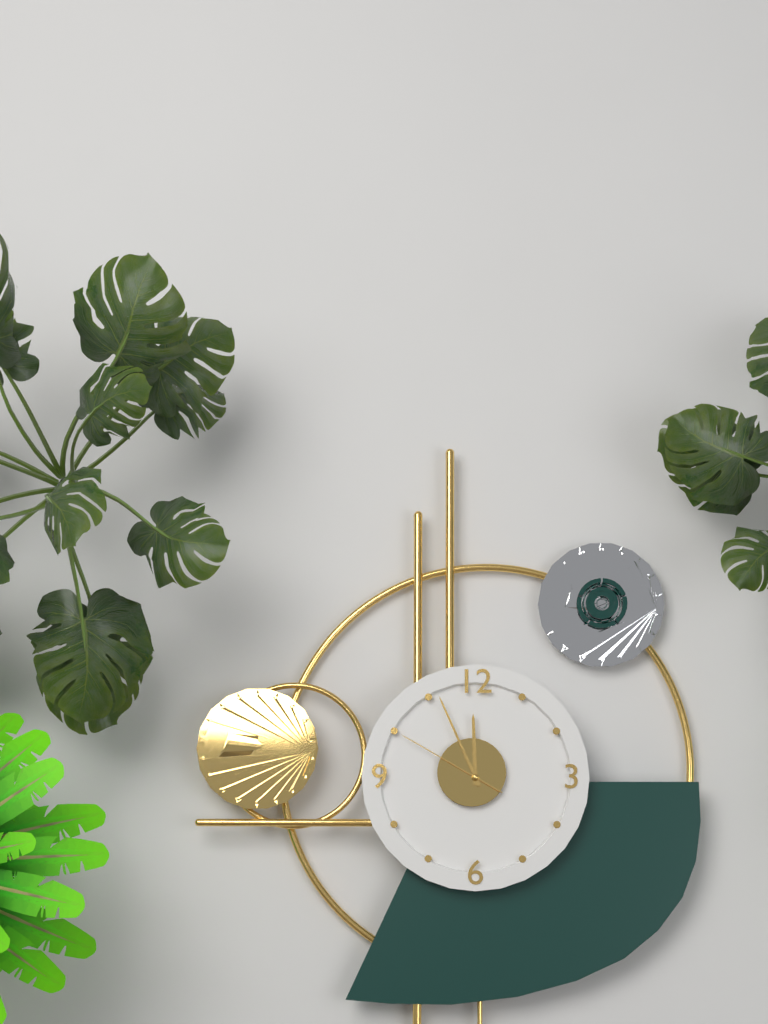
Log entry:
**11:56:50**
